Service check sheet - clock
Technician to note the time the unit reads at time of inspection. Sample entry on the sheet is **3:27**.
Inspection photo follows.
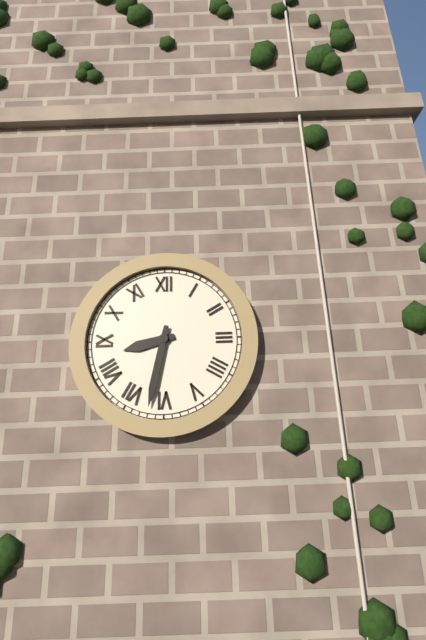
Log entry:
**8:32**
